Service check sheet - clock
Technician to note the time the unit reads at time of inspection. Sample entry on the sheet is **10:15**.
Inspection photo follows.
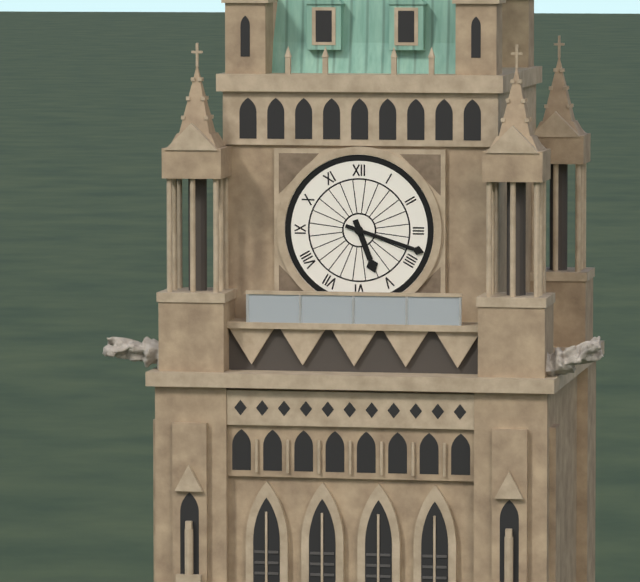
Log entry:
**5:18**
